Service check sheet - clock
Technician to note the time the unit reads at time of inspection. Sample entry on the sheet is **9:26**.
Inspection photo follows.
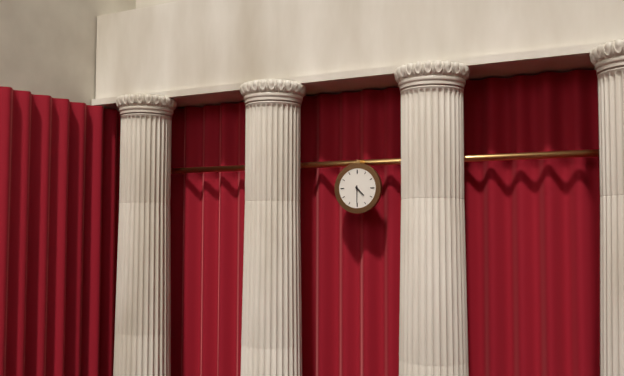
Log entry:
**4:30**
